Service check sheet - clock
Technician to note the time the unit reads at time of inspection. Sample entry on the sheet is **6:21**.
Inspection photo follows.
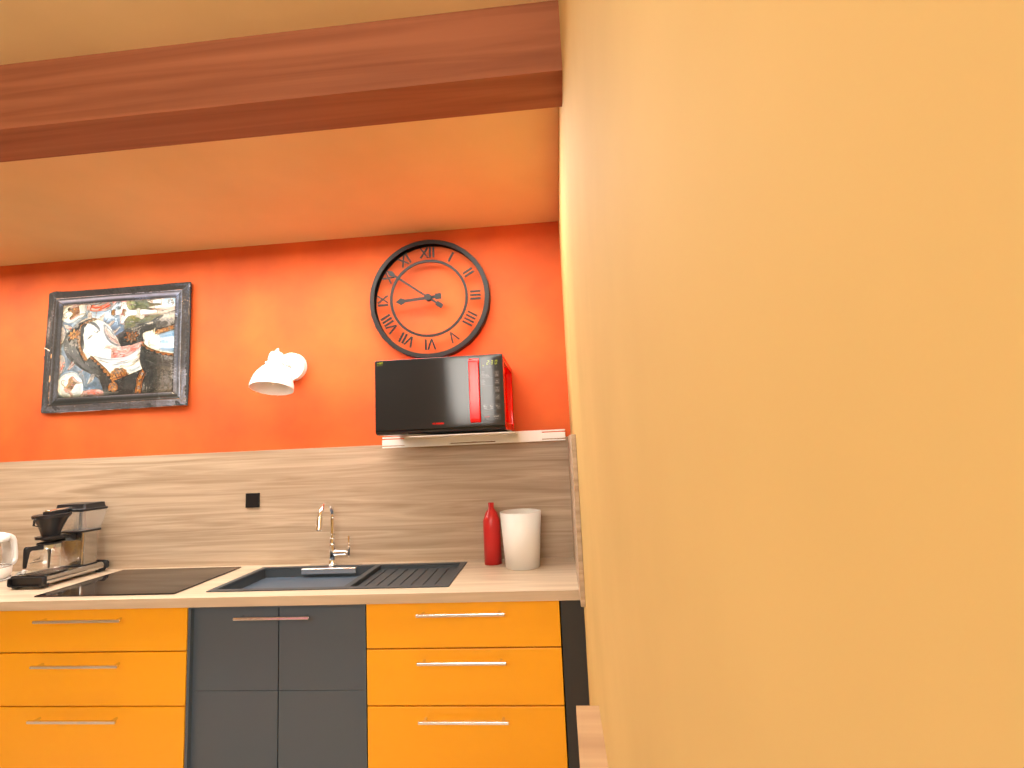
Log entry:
**8:51**
